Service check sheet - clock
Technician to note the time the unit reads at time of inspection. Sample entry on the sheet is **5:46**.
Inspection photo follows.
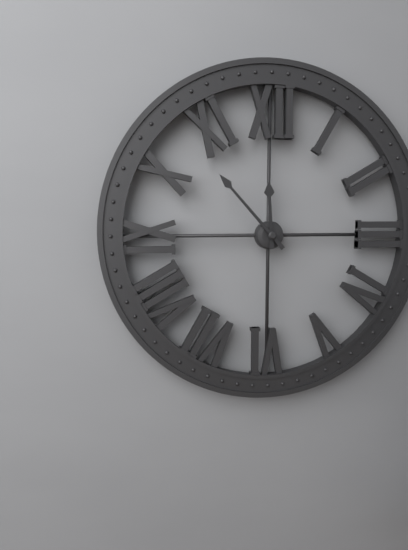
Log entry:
**11:53**
